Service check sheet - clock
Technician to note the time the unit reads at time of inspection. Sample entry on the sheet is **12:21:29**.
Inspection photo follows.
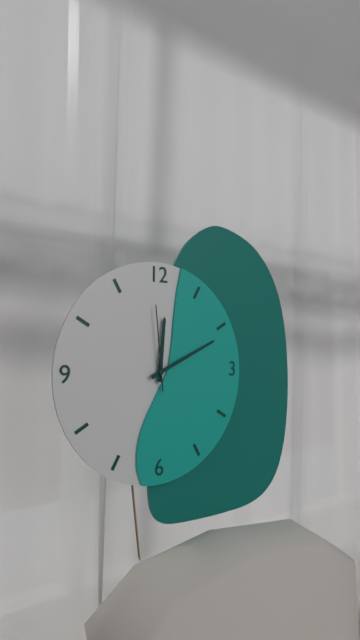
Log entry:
**12:11:59**
